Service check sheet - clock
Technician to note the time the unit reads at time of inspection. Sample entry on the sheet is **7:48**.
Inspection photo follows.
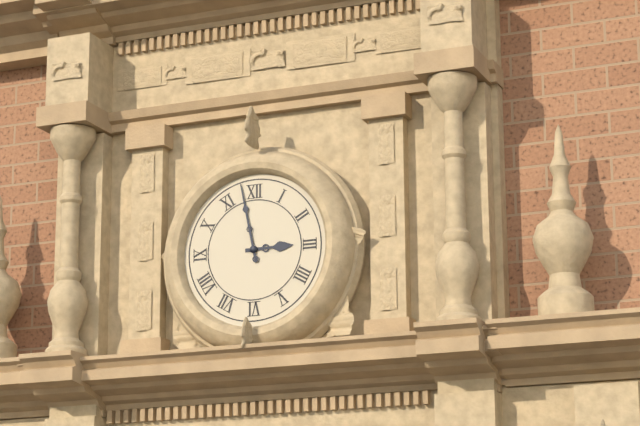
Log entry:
**2:58**
